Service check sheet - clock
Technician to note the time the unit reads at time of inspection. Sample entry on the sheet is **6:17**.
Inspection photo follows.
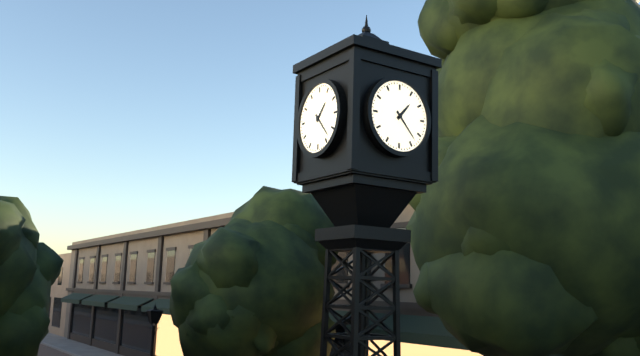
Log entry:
**1:23**
